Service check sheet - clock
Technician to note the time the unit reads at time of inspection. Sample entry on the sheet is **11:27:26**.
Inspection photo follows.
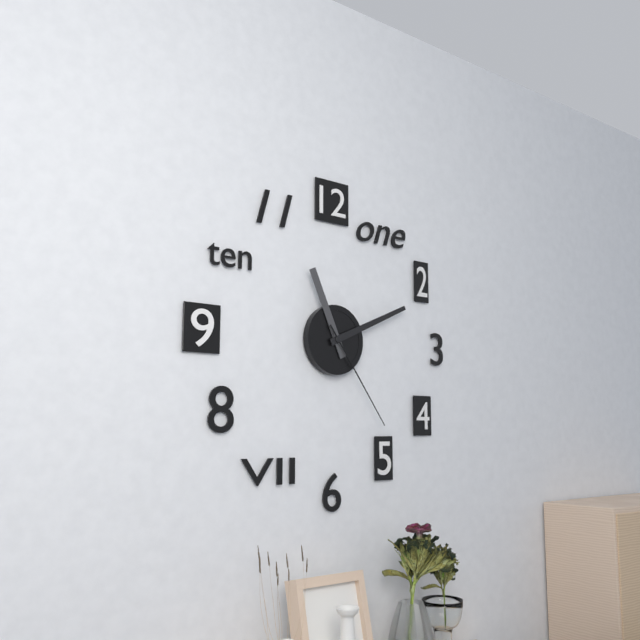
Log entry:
**11:11:24**
